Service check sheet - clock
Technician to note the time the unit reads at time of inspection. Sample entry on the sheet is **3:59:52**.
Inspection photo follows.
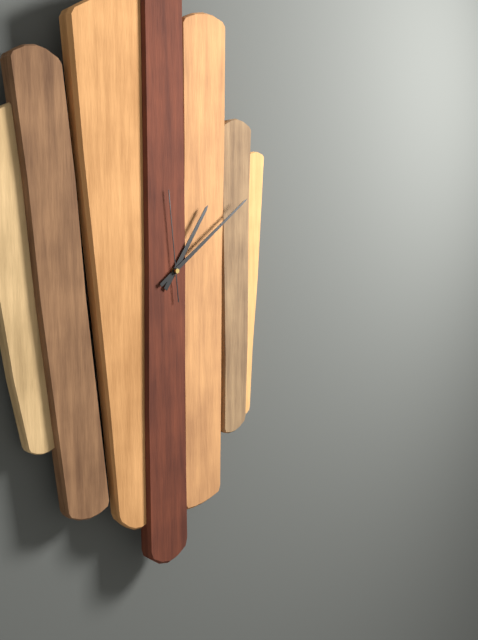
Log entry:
**1:09:59**
